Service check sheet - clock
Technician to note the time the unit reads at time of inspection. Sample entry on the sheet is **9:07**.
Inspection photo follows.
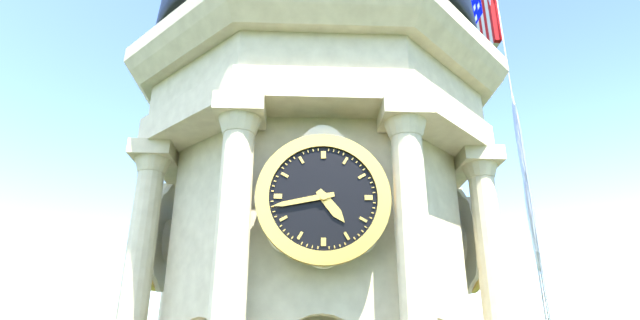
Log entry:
**4:43**
